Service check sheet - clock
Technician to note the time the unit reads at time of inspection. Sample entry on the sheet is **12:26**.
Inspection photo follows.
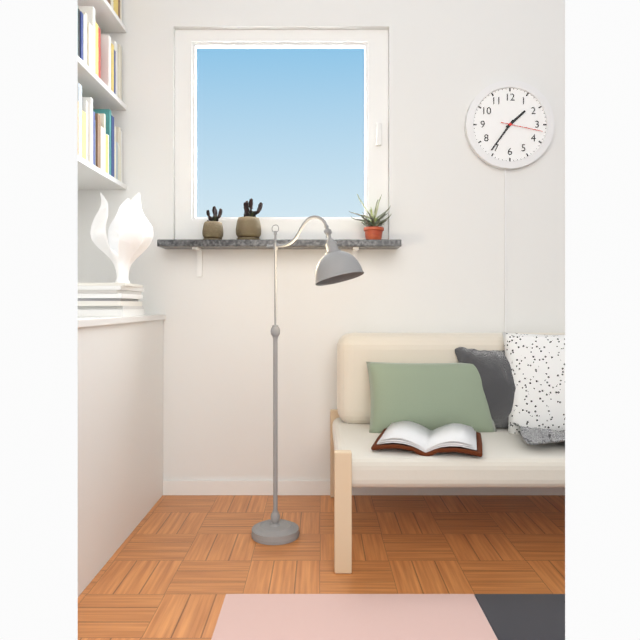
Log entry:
**1:36**
